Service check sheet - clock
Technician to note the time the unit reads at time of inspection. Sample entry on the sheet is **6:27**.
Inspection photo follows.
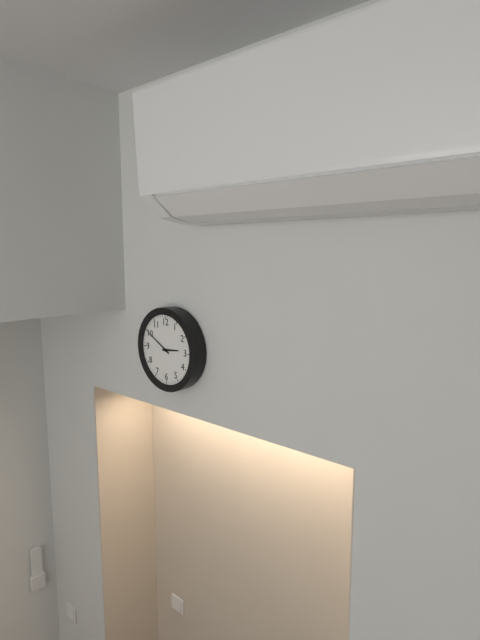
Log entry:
**2:50**
